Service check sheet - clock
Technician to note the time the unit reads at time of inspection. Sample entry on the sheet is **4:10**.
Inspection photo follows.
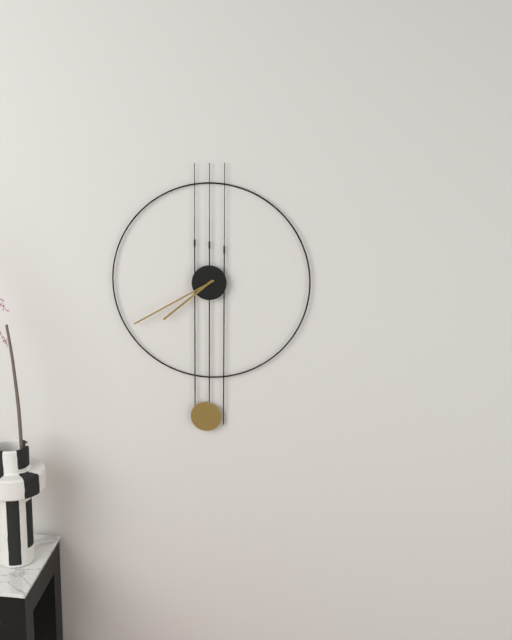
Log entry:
**7:40**
